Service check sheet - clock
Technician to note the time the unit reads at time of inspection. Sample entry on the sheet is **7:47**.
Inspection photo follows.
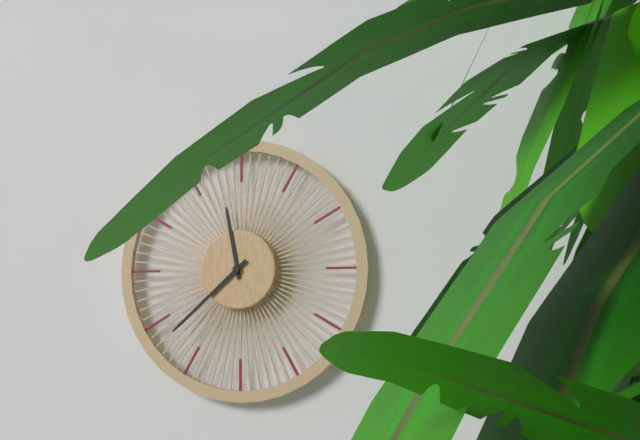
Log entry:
**11:38**
